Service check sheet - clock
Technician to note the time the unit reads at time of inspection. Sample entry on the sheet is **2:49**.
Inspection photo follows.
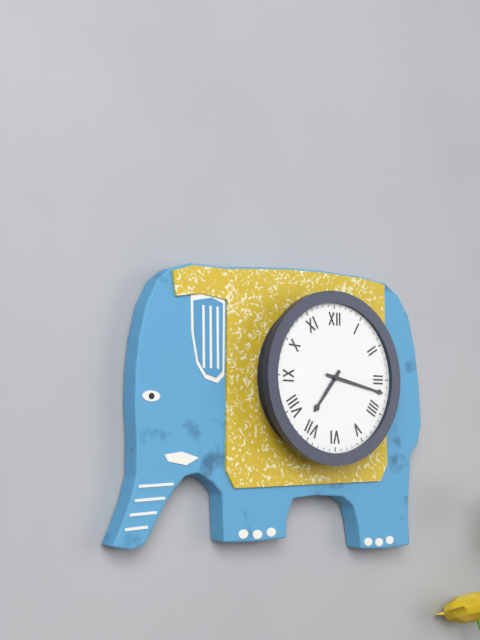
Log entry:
**7:17**
